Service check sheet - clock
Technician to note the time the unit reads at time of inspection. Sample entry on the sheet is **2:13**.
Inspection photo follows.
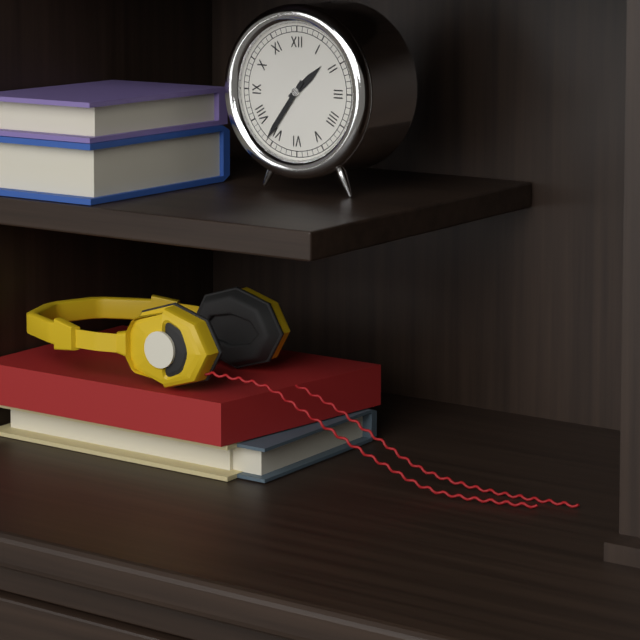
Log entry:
**1:36**
